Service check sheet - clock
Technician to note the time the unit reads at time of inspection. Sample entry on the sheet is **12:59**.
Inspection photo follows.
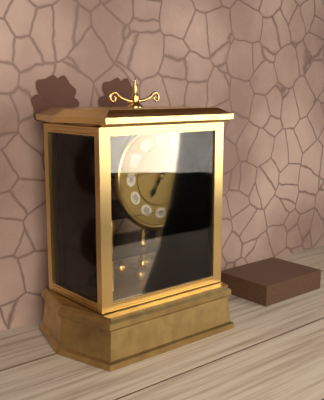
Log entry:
**7:09**
